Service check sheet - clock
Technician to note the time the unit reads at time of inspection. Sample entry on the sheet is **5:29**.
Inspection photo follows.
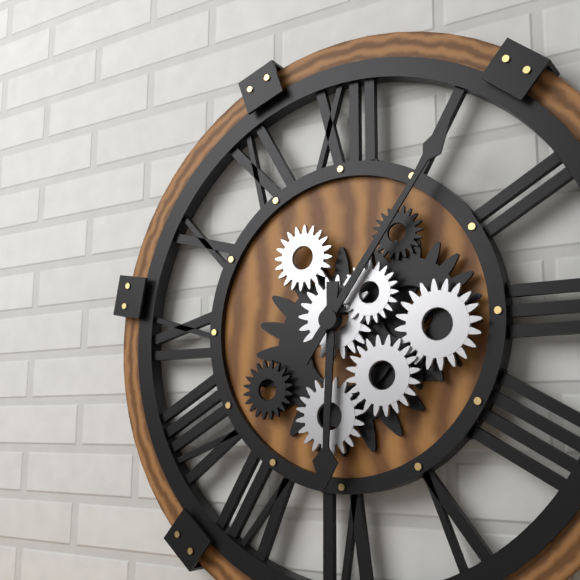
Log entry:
**6:06**
